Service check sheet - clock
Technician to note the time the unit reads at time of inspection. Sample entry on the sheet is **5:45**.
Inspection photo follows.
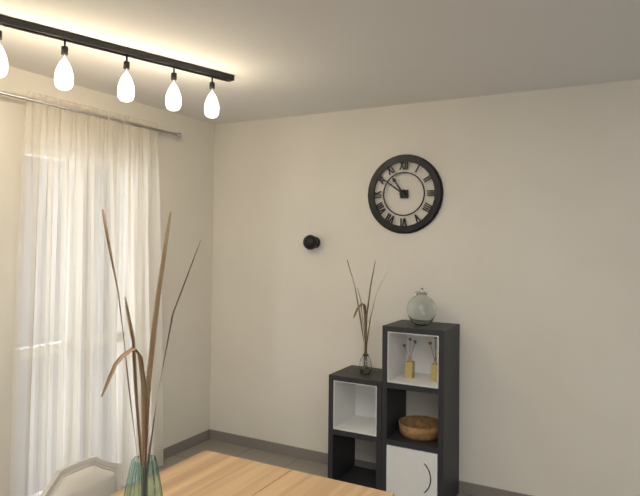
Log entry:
**10:51**
